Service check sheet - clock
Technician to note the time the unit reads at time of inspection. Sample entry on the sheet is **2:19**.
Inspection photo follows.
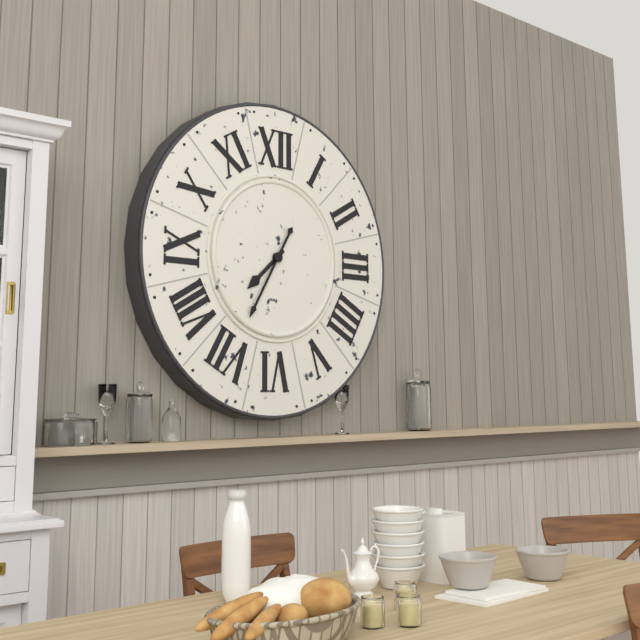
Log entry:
**7:35**
